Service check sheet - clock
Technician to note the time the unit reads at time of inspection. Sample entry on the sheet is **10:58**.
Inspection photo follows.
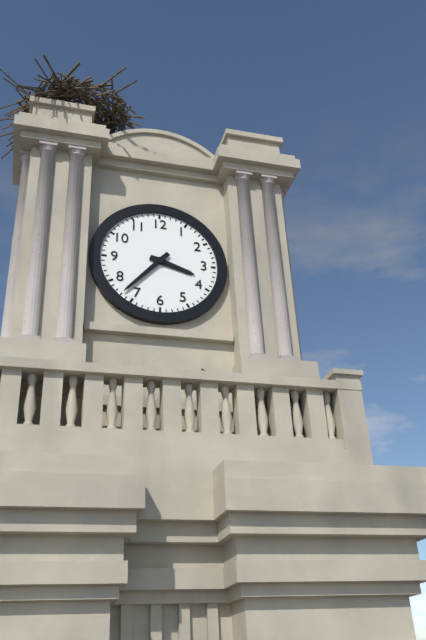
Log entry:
**3:37**
